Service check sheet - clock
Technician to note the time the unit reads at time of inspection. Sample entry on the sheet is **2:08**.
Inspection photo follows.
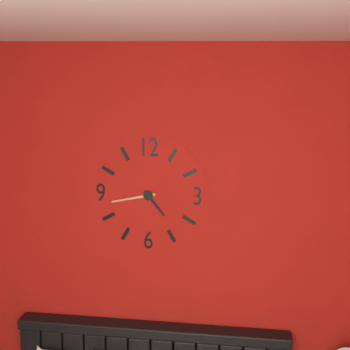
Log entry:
**4:43**
